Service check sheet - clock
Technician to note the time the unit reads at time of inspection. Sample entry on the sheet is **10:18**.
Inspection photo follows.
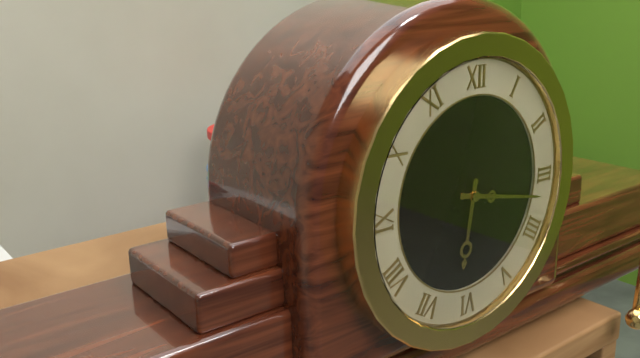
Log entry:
**6:17**
